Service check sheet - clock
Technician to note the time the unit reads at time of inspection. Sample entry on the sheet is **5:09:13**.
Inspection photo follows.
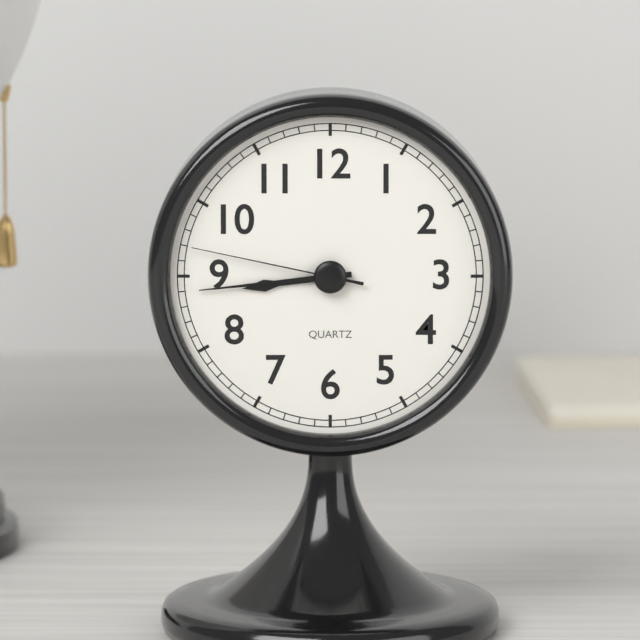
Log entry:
**8:44:47**
